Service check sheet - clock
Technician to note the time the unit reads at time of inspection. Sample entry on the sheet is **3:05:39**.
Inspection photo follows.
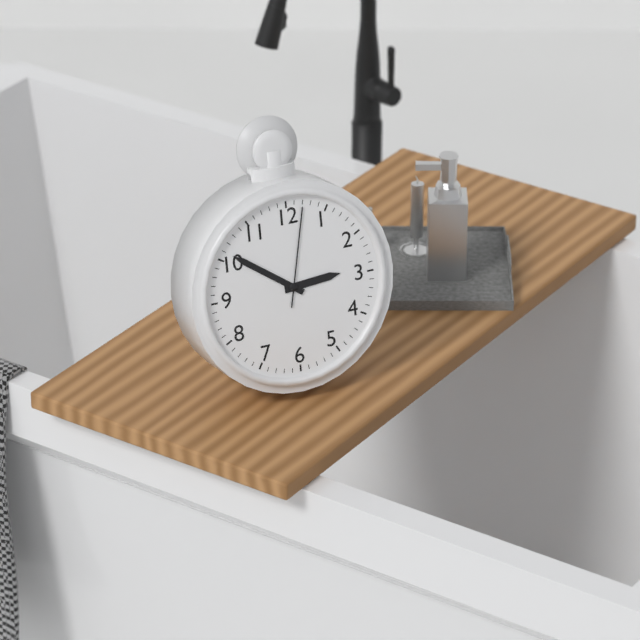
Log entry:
**2:51:02**
